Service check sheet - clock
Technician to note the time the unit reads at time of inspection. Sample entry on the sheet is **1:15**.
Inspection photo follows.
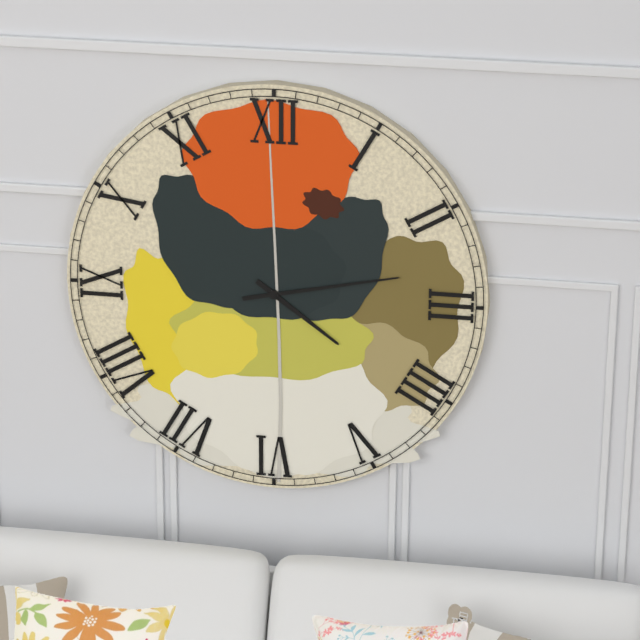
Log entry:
**4:13**
